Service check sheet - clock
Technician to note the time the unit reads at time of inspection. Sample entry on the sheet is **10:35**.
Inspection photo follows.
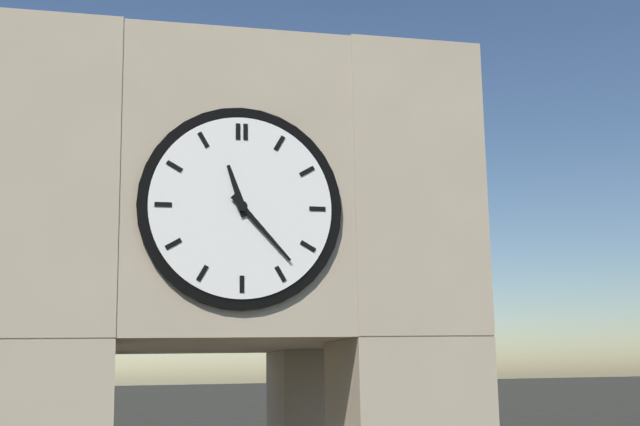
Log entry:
**11:23**
